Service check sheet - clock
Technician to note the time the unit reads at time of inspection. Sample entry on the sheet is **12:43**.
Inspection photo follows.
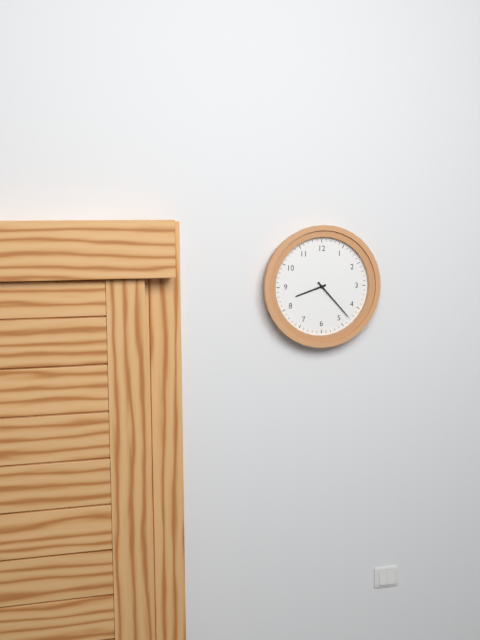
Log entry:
**8:23**
